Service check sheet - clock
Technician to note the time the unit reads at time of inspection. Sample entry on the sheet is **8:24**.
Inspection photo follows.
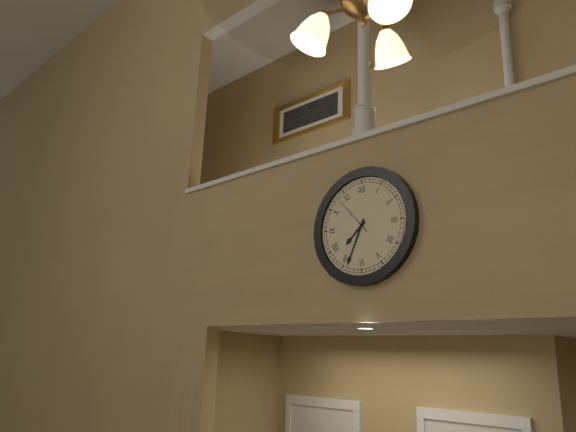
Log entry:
**7:34**
